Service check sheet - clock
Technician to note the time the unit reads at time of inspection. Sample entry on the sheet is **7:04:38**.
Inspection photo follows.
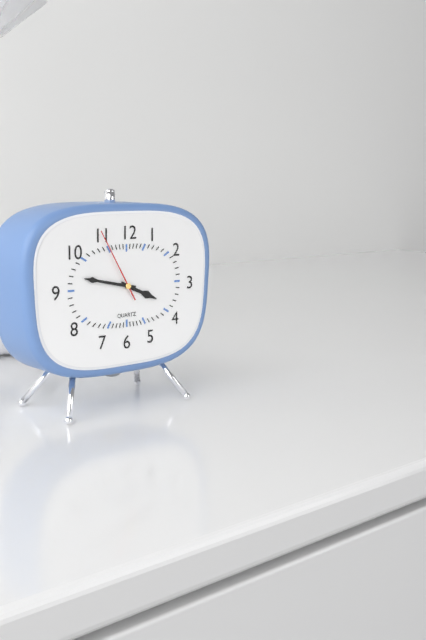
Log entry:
**3:47:55**
